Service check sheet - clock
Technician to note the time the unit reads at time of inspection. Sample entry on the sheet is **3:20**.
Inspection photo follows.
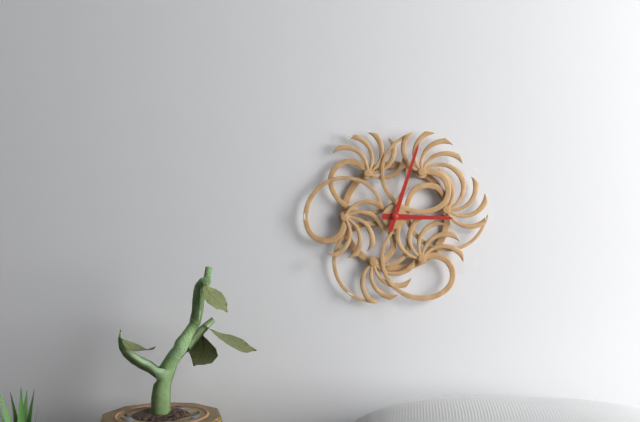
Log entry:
**3:03**
